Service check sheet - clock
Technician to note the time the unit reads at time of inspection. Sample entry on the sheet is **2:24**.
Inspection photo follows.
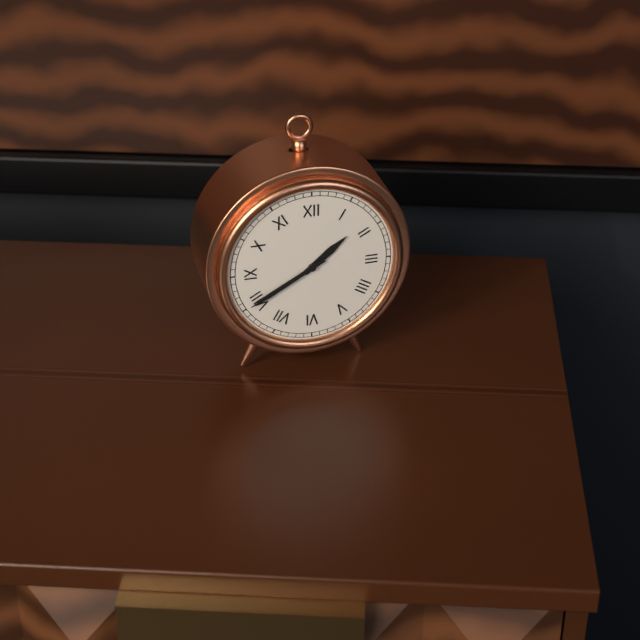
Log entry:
**1:40**
